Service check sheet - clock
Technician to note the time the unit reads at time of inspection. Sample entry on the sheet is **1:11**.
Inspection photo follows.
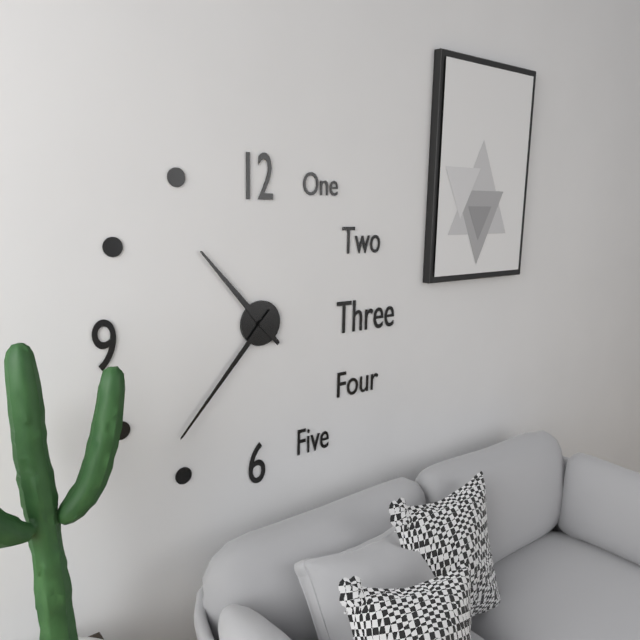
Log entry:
**10:37**
